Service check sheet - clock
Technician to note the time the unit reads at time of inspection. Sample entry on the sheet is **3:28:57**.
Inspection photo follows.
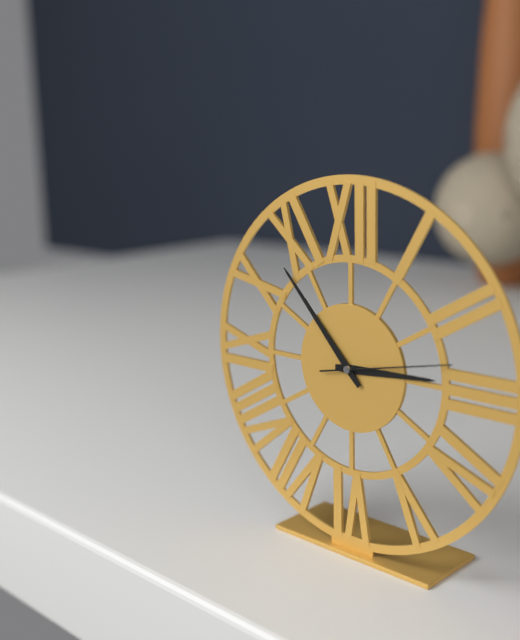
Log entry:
**2:53:13**
